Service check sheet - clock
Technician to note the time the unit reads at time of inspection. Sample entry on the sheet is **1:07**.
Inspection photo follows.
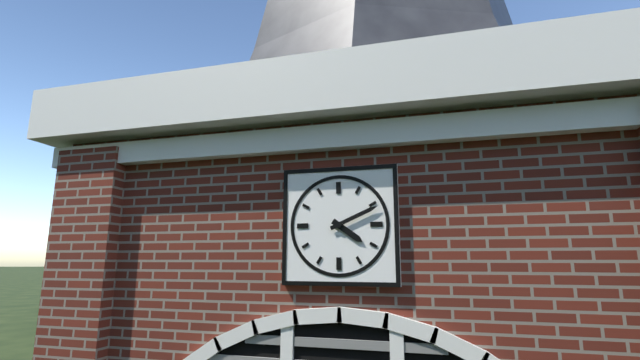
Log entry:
**4:11**
